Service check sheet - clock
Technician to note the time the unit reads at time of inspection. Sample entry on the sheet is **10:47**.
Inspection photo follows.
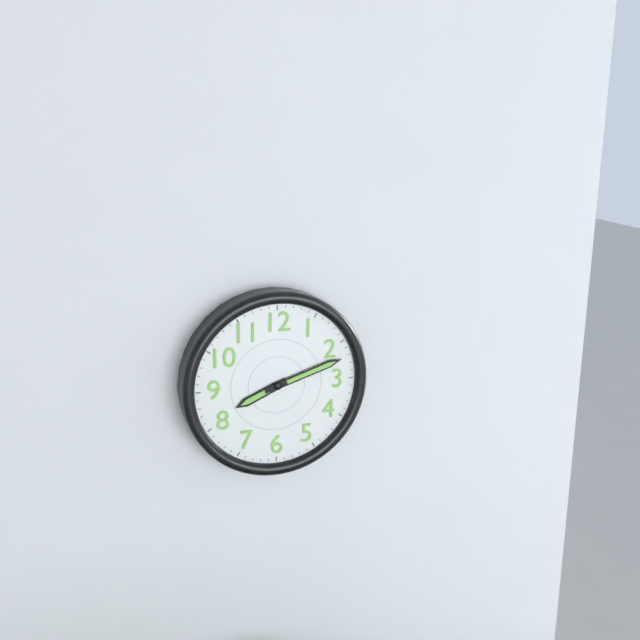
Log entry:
**8:12**
